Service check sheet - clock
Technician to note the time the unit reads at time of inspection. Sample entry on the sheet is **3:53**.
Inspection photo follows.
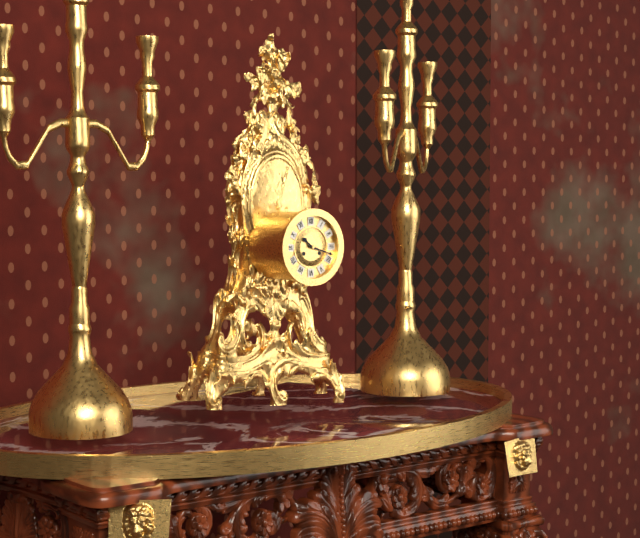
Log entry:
**10:18**
